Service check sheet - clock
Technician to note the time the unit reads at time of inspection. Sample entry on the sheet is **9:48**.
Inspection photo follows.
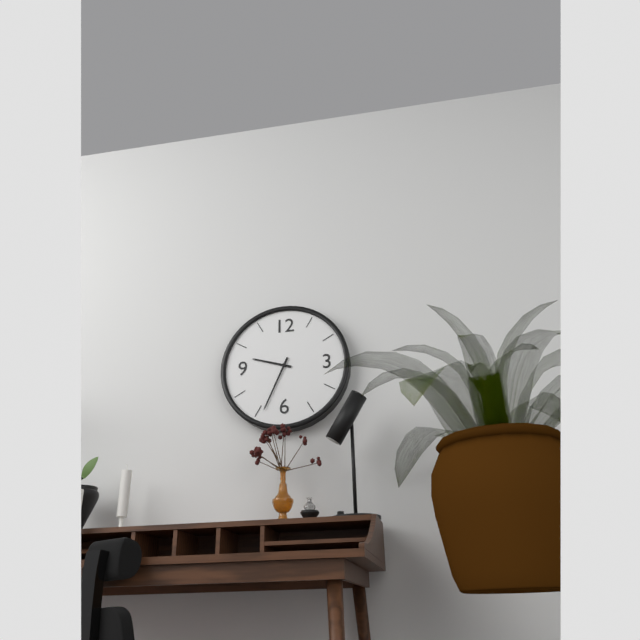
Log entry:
**9:34**
